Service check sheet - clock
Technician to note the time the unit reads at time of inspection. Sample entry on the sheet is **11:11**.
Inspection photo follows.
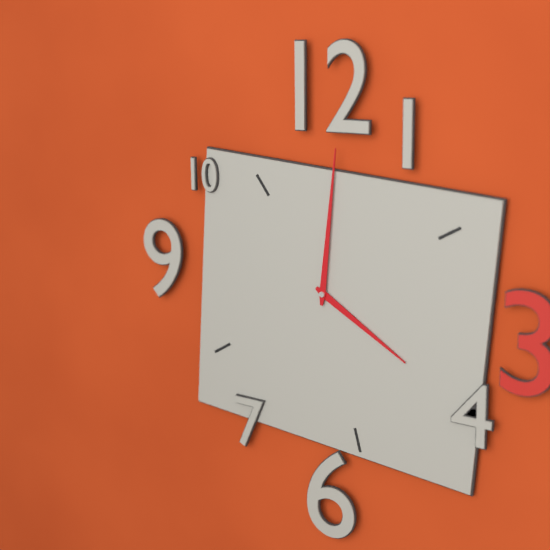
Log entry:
**4:01**
